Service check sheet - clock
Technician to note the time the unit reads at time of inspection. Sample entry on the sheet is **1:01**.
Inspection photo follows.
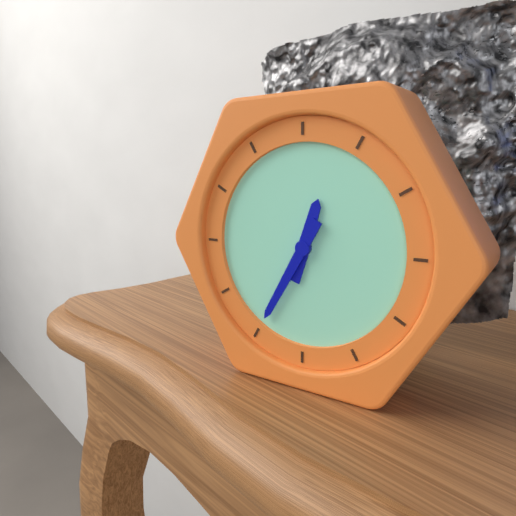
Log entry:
**12:35**
